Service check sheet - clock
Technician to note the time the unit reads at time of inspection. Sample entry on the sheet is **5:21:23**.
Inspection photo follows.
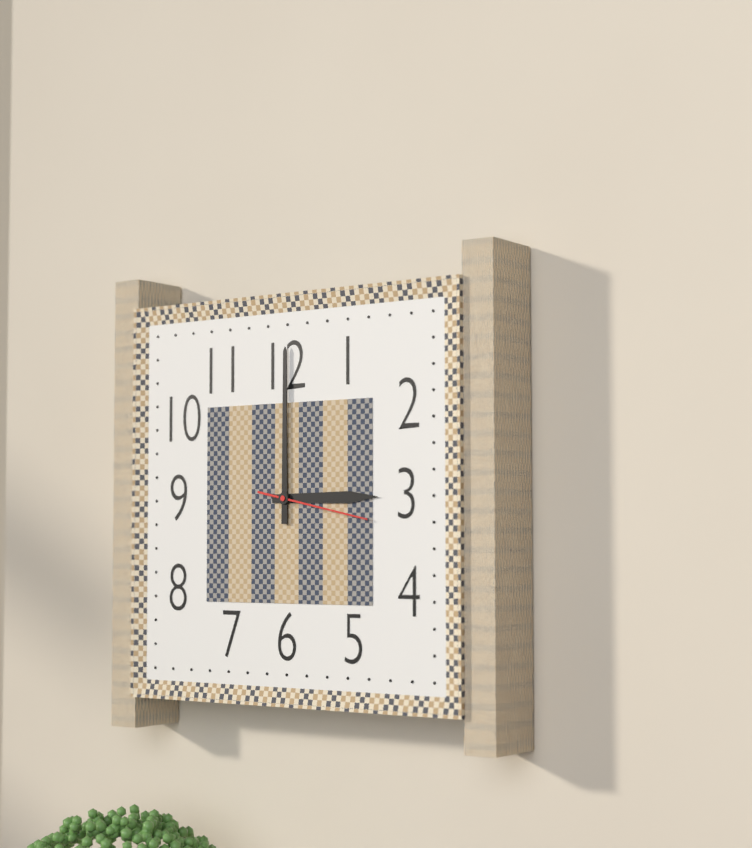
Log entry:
**3:00:17**
